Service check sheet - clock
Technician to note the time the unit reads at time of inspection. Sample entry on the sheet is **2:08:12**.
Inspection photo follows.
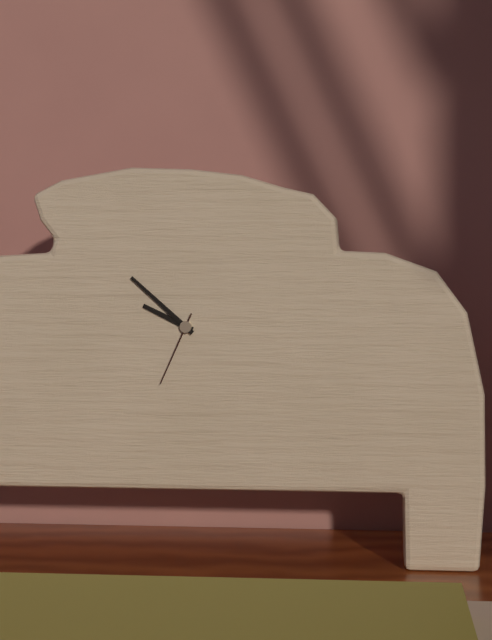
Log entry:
**9:52:34**
